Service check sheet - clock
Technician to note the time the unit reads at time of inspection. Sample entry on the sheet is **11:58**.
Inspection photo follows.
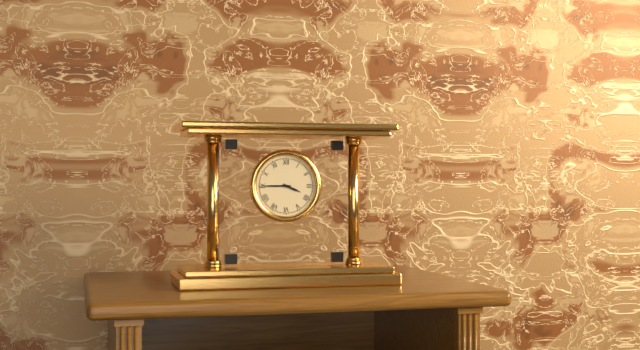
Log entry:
**3:45**
